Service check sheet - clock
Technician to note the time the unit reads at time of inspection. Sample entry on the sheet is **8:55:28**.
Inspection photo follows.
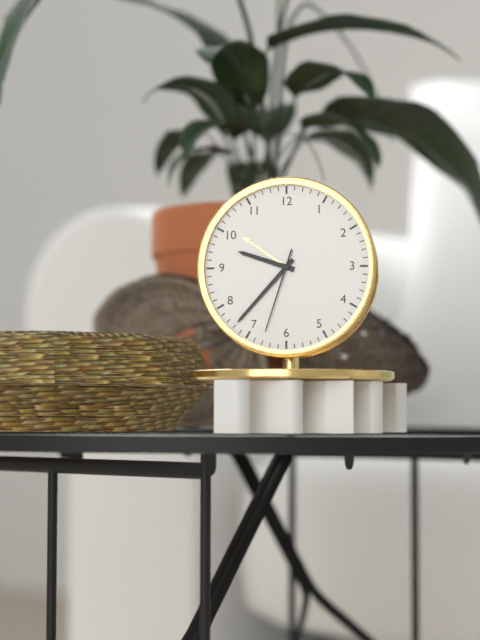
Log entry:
**9:37:33**
